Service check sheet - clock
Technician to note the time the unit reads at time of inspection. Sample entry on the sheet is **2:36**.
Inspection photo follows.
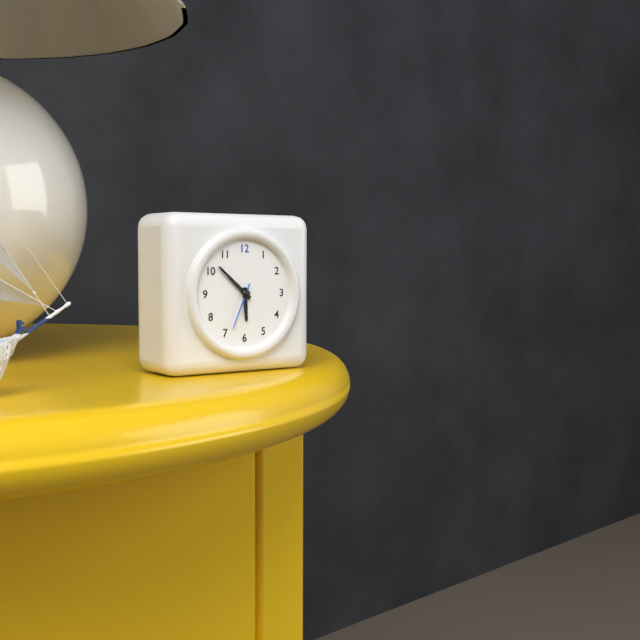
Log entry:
**5:52**
